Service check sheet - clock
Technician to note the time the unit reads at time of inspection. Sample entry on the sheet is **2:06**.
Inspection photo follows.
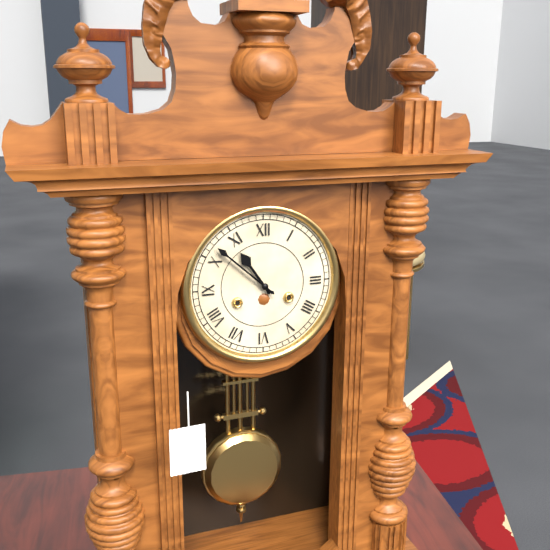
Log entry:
**10:52**
